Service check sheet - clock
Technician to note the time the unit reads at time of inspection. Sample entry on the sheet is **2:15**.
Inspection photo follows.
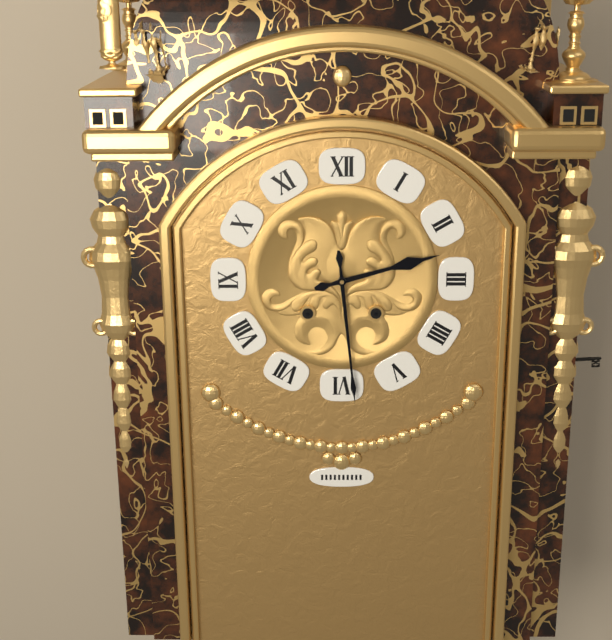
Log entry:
**2:29**
